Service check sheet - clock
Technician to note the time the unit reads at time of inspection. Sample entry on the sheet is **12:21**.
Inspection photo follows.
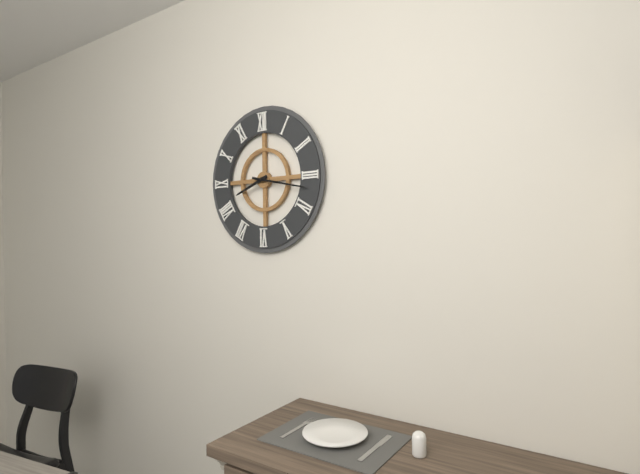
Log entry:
**8:17**
